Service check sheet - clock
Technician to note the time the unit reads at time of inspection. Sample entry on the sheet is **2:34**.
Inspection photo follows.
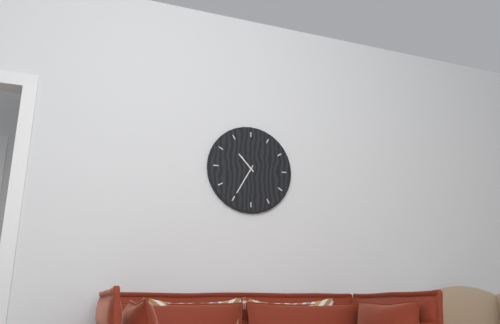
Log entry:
**10:35**
